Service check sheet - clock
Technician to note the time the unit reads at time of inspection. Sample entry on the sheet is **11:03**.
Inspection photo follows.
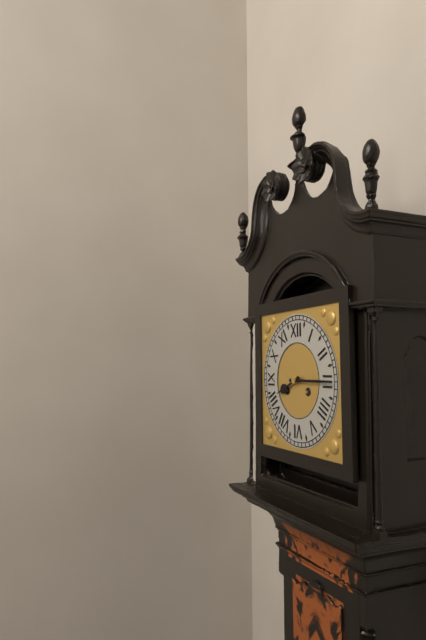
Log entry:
**8:15**
